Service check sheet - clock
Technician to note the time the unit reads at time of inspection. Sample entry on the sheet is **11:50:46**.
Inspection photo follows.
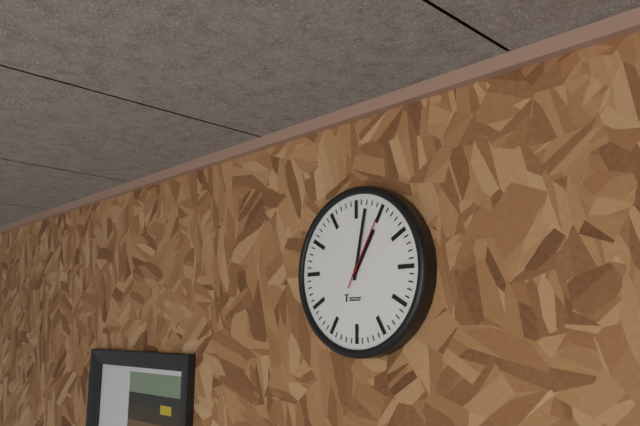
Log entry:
**1:02:05**
